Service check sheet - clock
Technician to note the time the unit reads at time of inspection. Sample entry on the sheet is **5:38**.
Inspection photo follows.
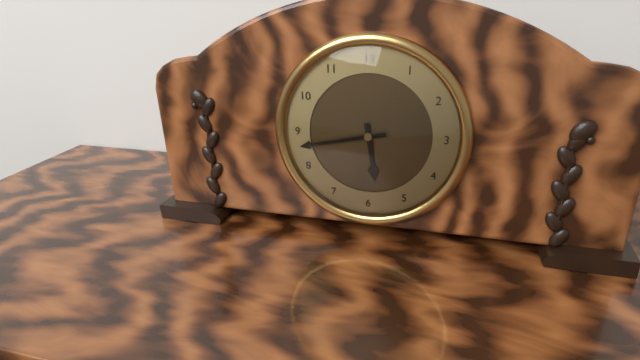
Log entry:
**5:43**
